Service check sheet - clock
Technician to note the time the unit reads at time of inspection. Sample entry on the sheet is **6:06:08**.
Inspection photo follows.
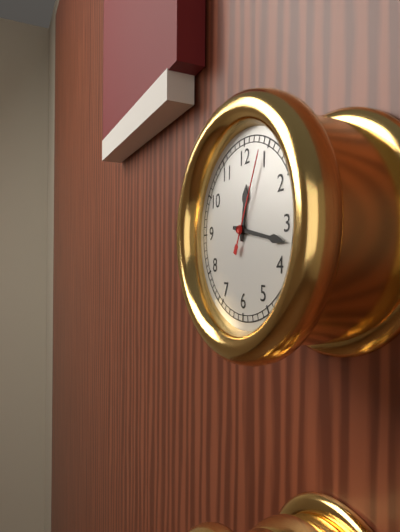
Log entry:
**12:17:04**
